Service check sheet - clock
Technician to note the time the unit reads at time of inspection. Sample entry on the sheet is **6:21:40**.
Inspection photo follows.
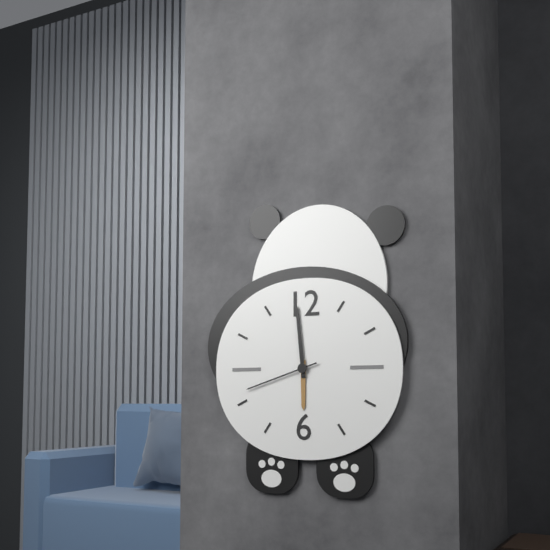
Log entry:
**5:59:42**
